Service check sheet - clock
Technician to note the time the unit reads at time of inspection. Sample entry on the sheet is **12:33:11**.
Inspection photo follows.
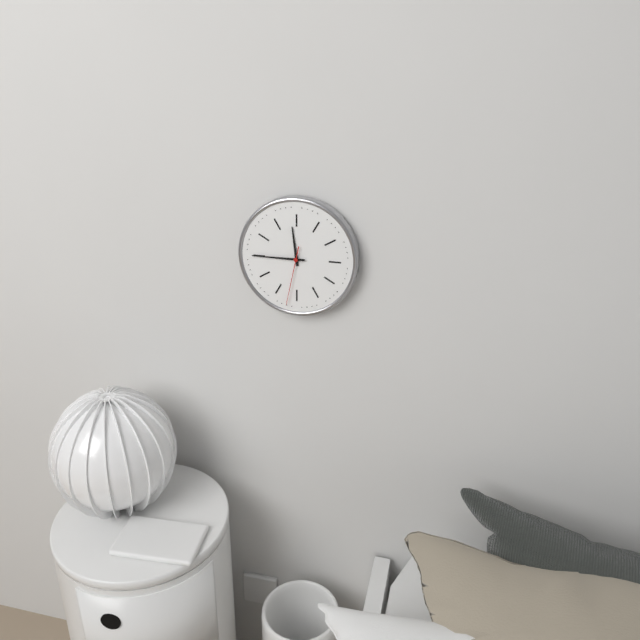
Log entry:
**11:45:32**
